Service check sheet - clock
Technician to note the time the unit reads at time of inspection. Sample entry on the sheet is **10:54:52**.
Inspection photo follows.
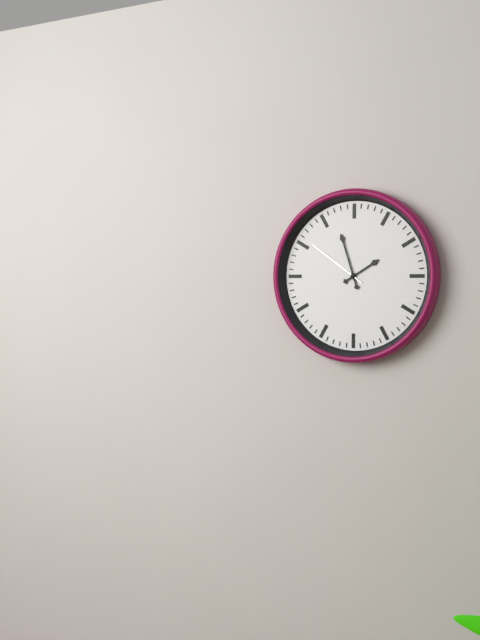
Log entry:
**1:57:51**
